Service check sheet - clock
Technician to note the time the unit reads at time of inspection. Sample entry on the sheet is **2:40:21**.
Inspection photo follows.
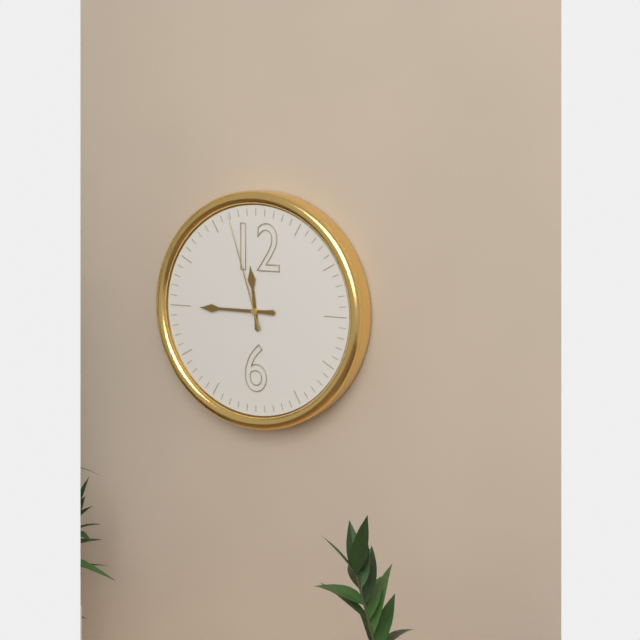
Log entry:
**11:45:57**
